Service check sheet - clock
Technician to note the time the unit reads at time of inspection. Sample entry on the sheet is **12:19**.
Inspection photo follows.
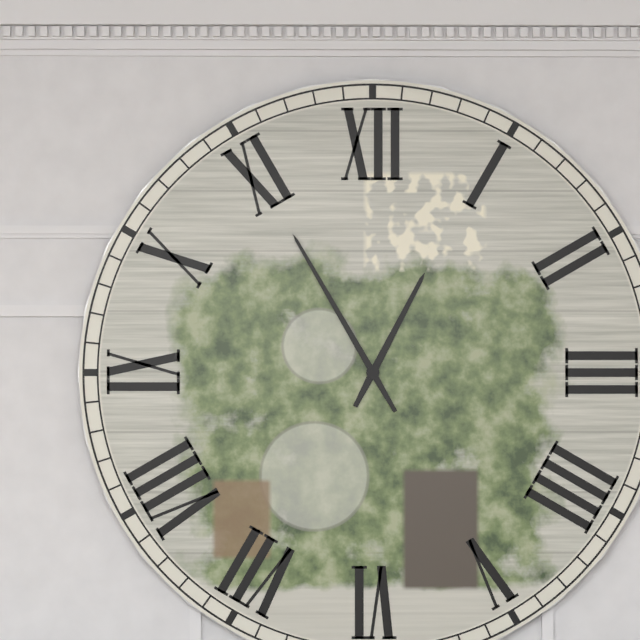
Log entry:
**12:55**
